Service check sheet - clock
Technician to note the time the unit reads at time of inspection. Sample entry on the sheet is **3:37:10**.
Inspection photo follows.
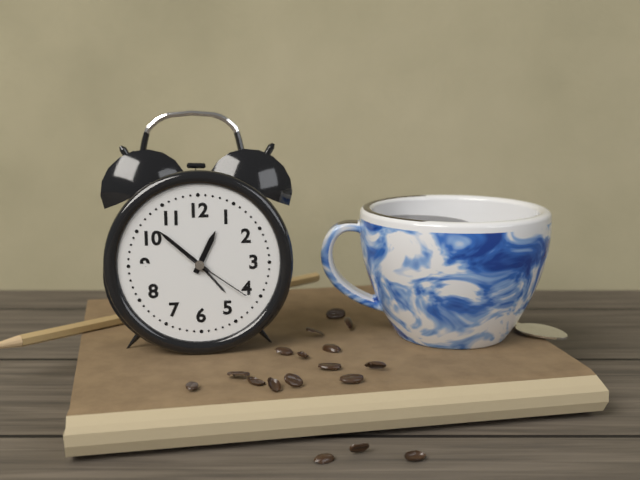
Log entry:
**12:52:21**
